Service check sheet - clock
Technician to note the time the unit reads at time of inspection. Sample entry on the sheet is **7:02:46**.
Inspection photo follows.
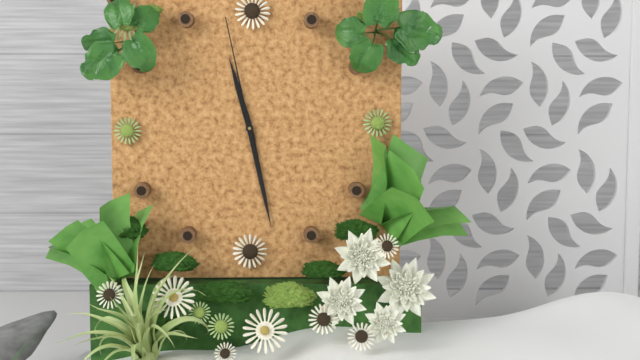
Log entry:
**11:28:58**
